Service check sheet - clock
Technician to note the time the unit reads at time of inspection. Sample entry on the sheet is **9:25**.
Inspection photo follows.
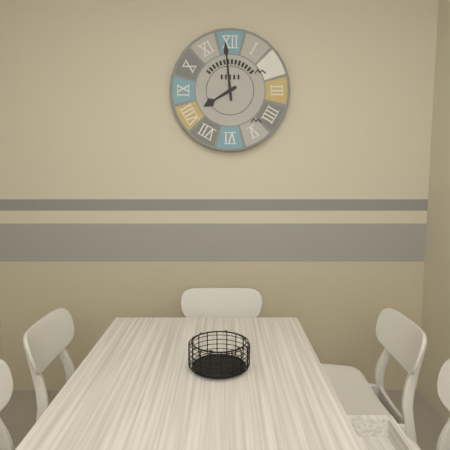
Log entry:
**7:59**
